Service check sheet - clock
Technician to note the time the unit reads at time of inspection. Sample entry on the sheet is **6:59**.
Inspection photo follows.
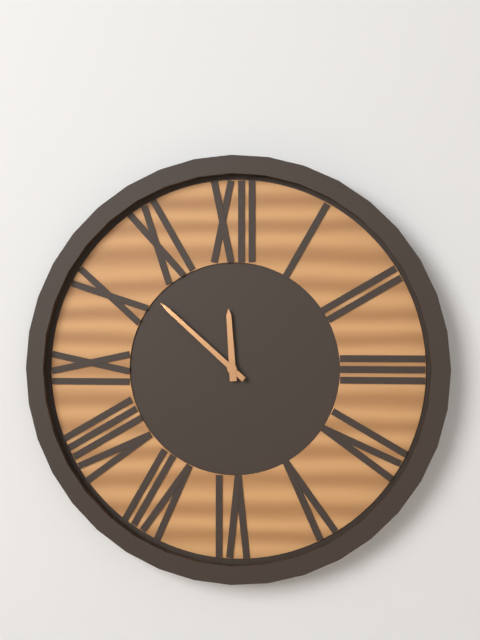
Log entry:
**11:52**
